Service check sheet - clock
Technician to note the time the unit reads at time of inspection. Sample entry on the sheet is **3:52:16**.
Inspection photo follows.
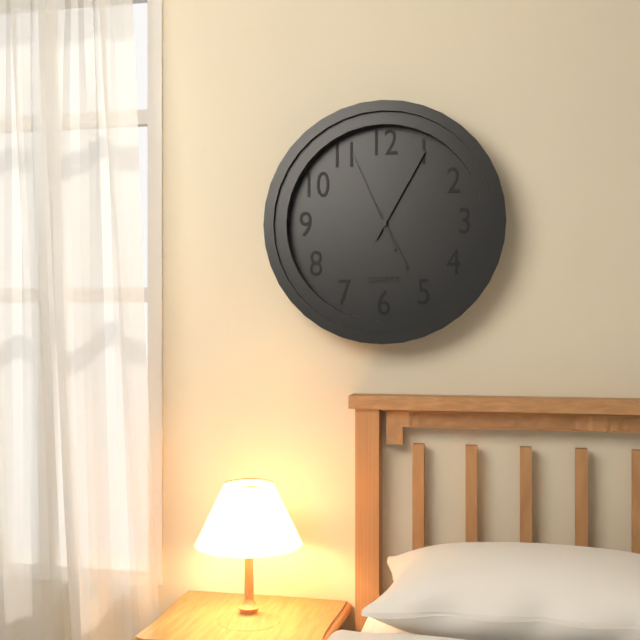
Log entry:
**5:05:56**
